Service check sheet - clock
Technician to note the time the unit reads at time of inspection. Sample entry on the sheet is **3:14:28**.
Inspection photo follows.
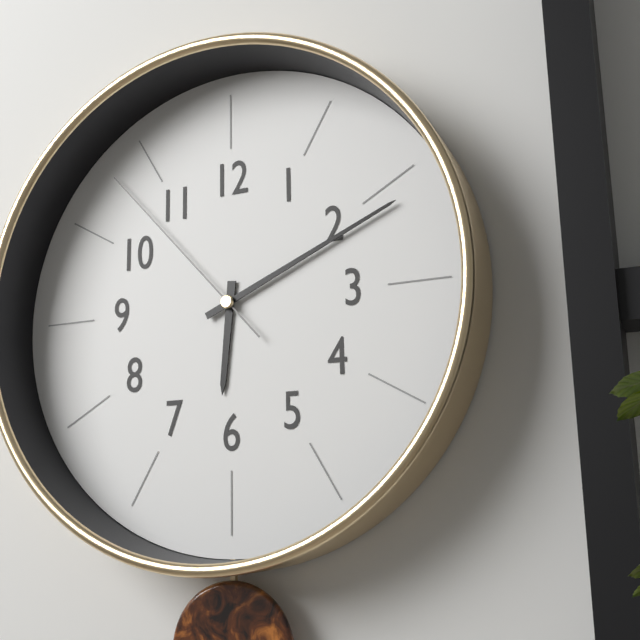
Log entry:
**6:11:53**
